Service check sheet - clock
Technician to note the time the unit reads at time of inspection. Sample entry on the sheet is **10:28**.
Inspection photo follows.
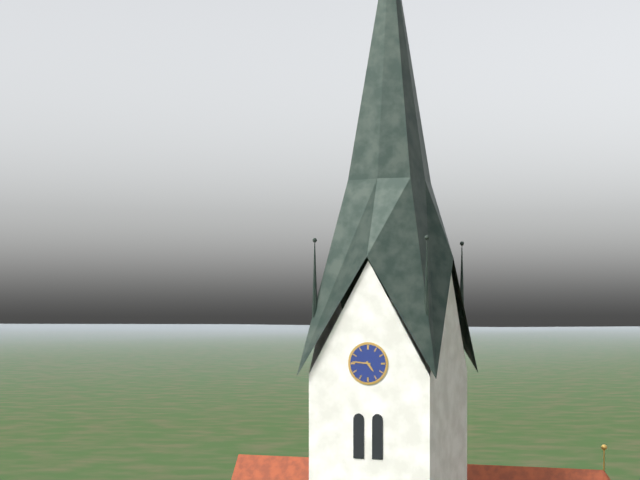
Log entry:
**4:46**
